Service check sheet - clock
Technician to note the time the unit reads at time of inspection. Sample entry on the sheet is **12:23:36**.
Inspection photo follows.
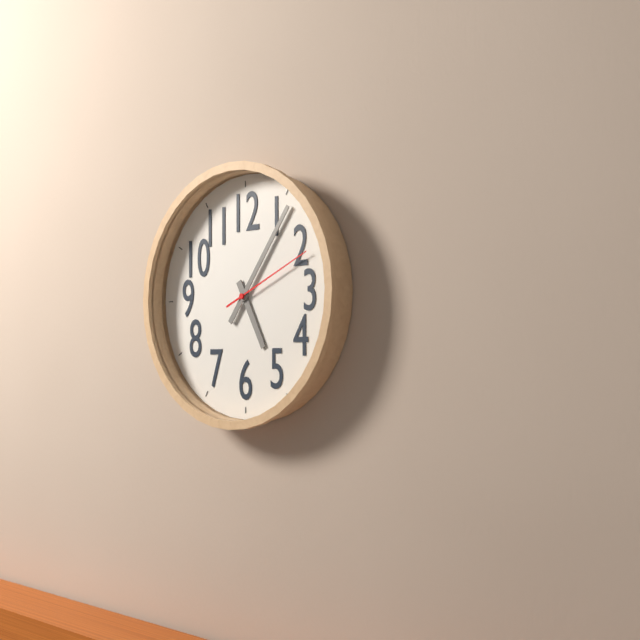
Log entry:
**5:06:11**
